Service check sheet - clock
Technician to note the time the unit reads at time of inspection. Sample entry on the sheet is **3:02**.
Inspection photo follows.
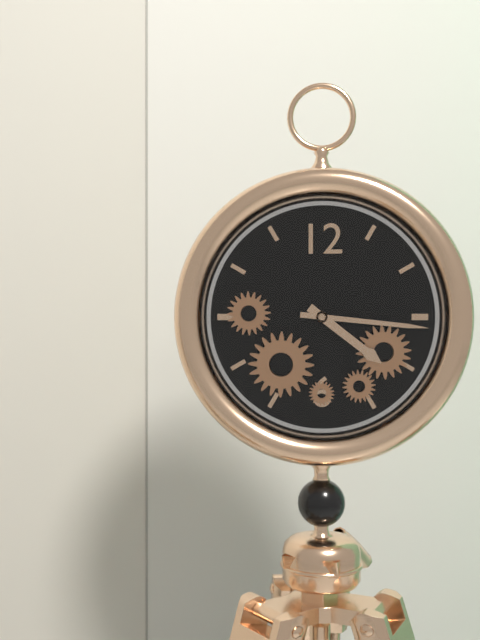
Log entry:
**4:16**
